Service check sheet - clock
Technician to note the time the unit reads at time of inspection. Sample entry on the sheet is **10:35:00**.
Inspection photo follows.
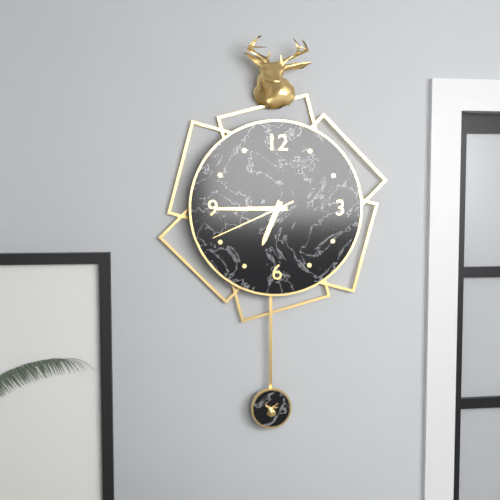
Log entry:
**6:45:41**
